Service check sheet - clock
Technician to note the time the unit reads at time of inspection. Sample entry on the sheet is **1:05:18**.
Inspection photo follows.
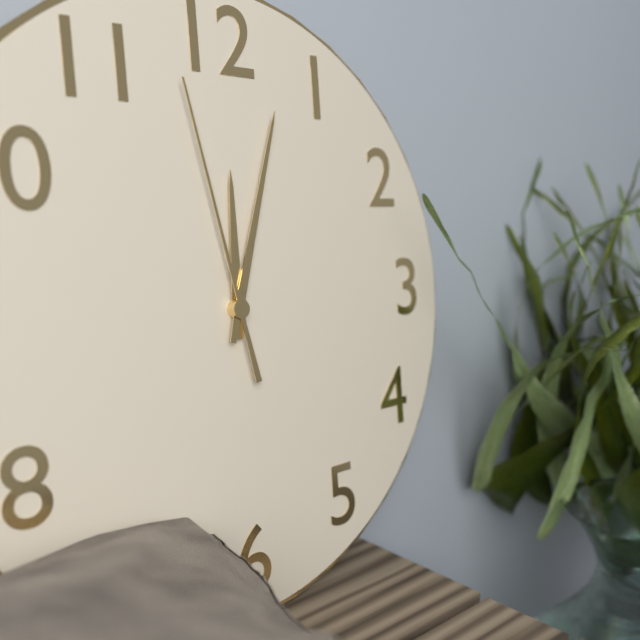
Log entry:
**12:03:58**
